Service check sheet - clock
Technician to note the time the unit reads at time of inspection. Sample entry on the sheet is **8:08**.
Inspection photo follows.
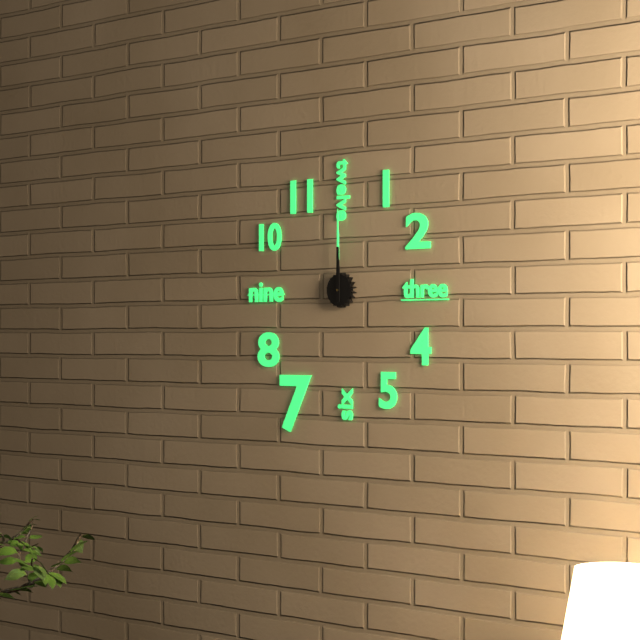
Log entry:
**12:00**
